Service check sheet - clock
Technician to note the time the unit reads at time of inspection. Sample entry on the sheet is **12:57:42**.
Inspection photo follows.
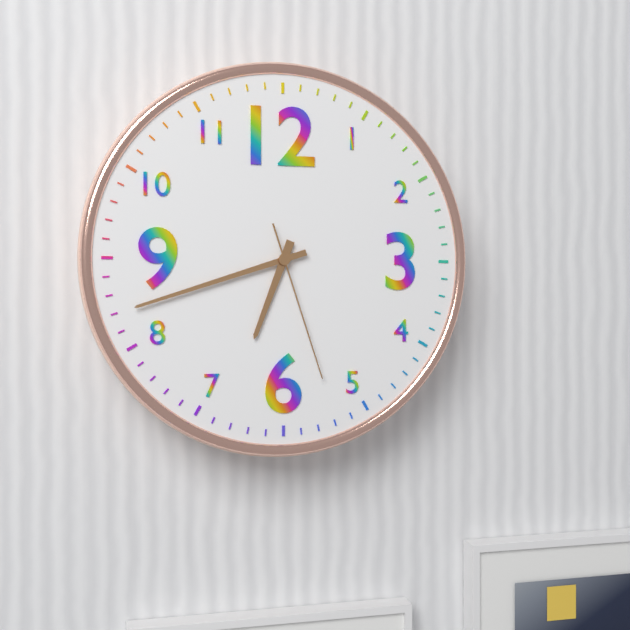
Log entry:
**6:42:27**
